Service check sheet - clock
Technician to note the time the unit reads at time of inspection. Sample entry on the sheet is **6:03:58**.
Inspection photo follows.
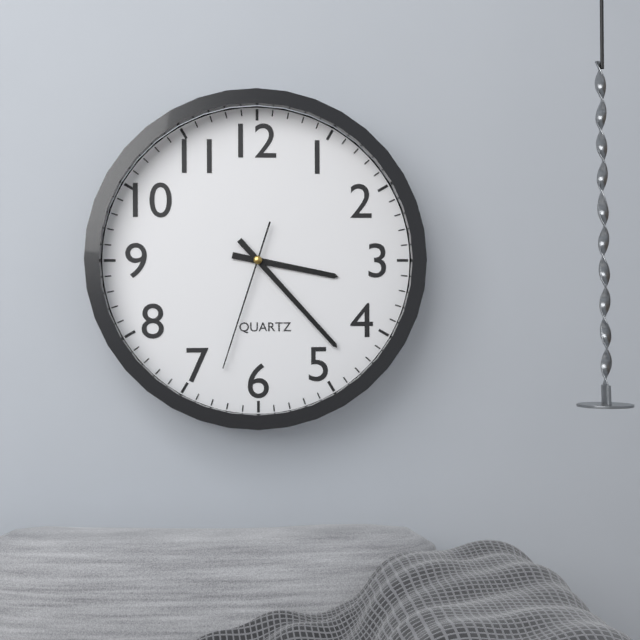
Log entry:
**3:23:33**
